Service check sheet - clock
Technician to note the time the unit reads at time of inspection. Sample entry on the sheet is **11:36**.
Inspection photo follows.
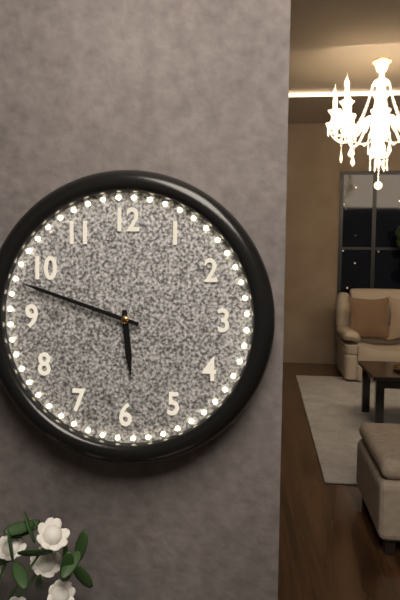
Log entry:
**5:48**
